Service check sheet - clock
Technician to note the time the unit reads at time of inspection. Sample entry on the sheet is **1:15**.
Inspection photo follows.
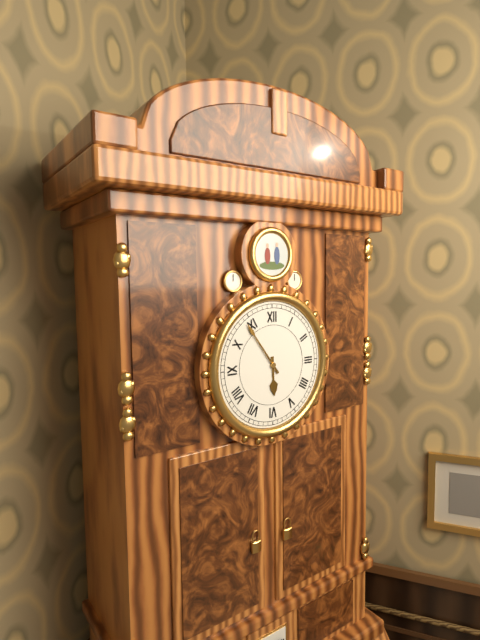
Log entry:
**5:54**
